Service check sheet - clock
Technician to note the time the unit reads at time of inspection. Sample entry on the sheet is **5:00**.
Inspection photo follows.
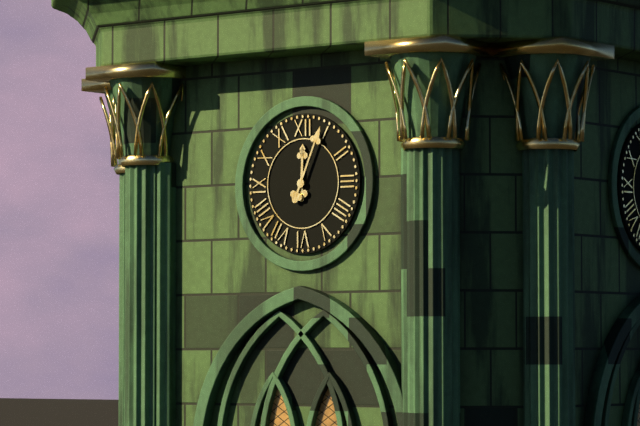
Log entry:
**12:04**
